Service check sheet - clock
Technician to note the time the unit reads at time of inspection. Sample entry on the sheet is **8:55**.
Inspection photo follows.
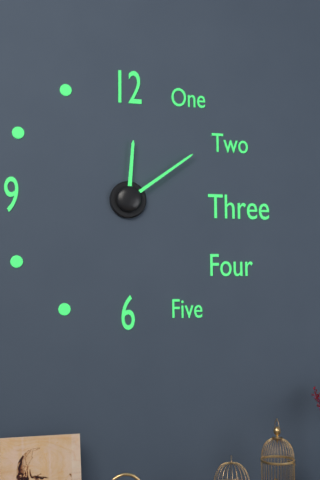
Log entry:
**12:09**
